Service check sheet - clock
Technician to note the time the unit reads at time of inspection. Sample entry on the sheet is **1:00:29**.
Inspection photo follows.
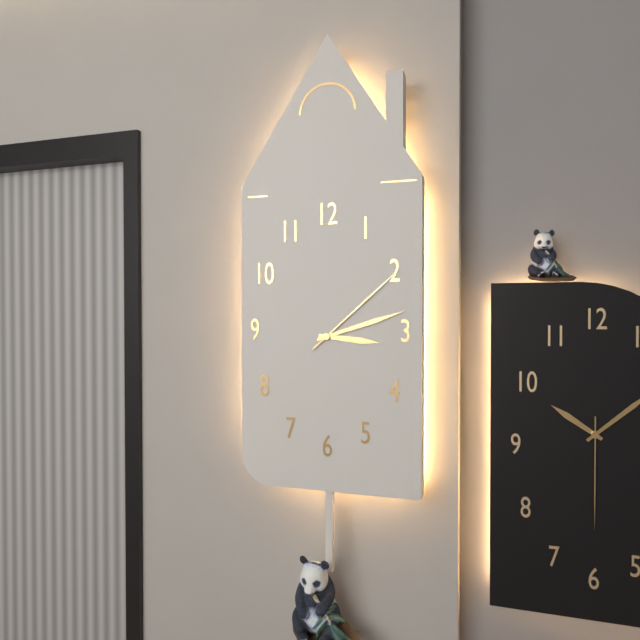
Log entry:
**3:12:08**
